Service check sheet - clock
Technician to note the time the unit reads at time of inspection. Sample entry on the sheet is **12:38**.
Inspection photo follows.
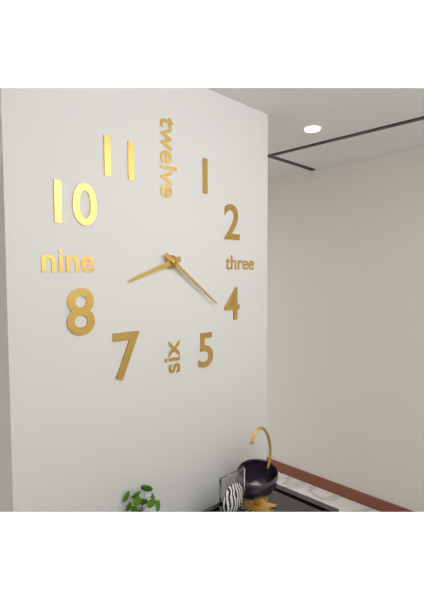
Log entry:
**8:21**
